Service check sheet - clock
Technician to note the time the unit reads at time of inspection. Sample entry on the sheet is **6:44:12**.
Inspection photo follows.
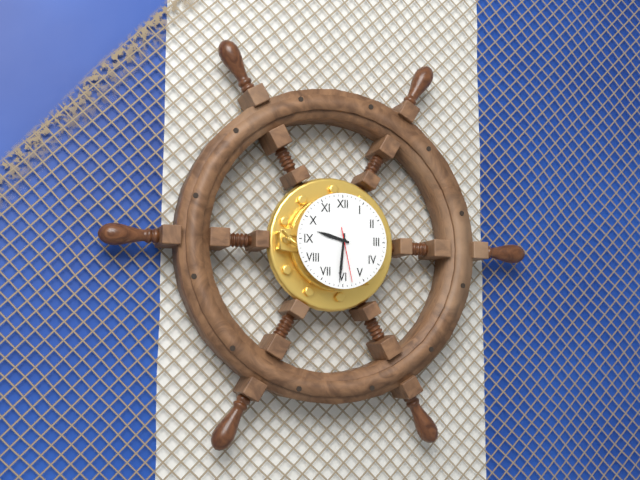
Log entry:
**9:31:28**
